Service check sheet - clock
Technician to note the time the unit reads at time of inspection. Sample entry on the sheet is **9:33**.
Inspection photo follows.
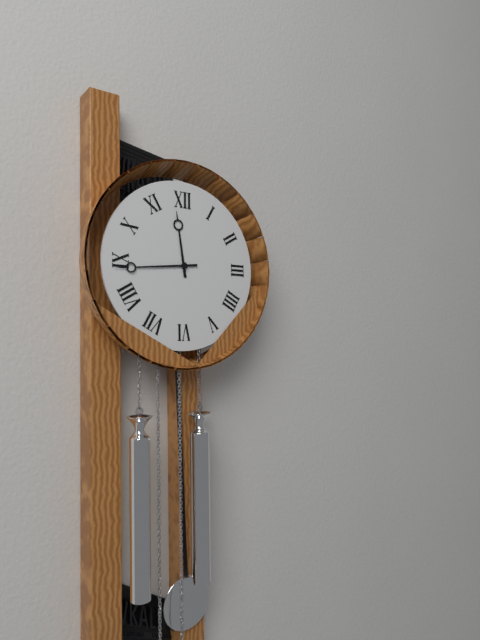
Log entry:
**11:44**
